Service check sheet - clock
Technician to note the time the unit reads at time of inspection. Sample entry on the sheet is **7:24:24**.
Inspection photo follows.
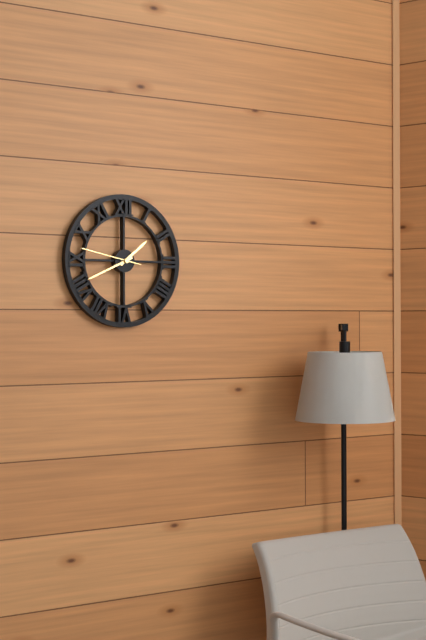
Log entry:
**1:41:47**
